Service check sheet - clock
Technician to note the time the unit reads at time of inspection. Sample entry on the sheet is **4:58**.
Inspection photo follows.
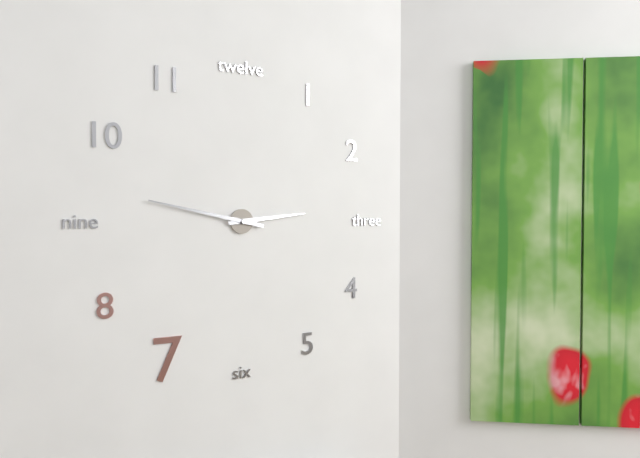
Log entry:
**2:47**
